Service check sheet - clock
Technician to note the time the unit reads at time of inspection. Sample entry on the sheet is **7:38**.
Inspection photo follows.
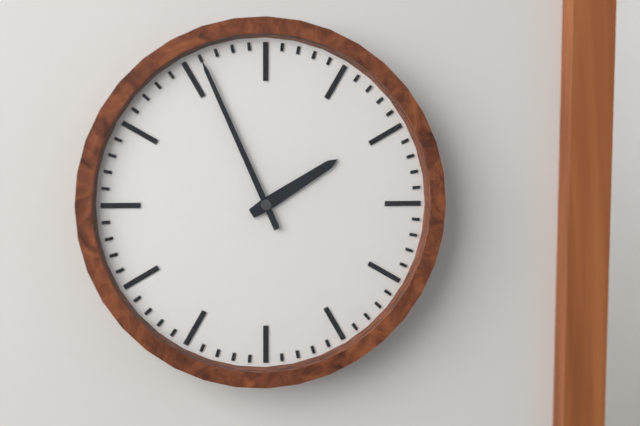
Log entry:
**1:56**
